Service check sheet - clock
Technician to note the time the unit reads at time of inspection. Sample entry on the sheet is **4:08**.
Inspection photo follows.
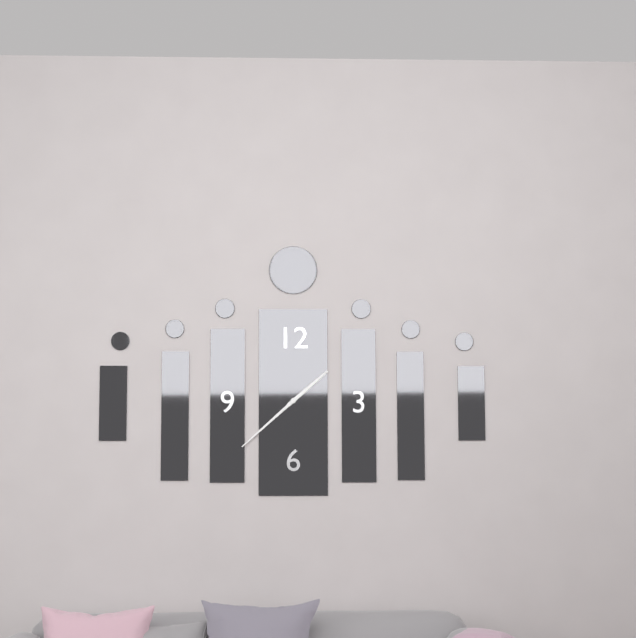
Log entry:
**1:38**
